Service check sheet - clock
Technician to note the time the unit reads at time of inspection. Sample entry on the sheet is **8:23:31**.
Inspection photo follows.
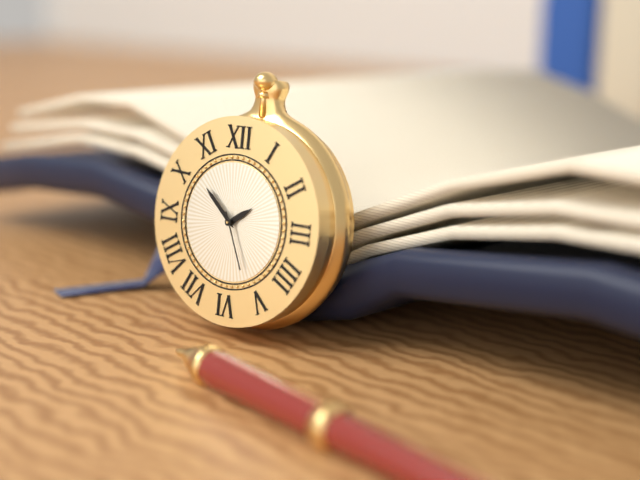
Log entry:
**1:52:26**
